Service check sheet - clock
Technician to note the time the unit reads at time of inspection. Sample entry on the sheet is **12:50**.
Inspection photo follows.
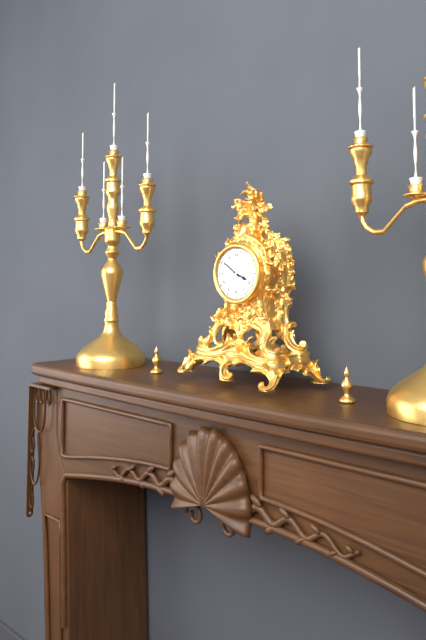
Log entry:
**3:51**
